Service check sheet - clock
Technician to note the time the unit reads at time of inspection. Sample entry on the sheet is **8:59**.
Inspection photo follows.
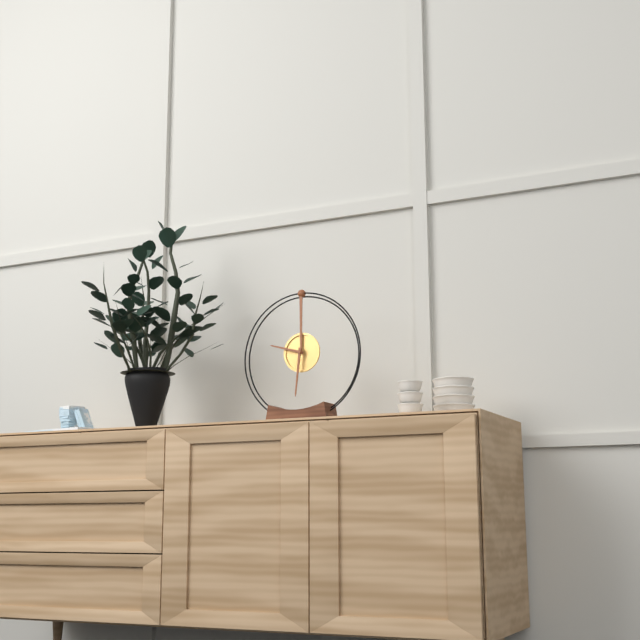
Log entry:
**9:31**
